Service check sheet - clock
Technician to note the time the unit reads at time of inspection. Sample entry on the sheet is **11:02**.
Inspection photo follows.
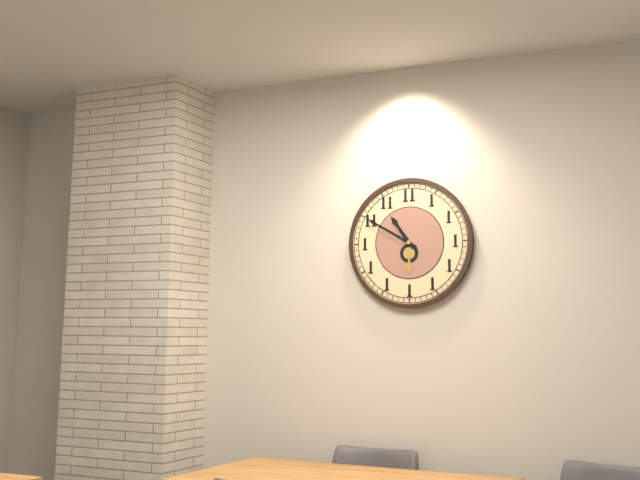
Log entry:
**10:50**
